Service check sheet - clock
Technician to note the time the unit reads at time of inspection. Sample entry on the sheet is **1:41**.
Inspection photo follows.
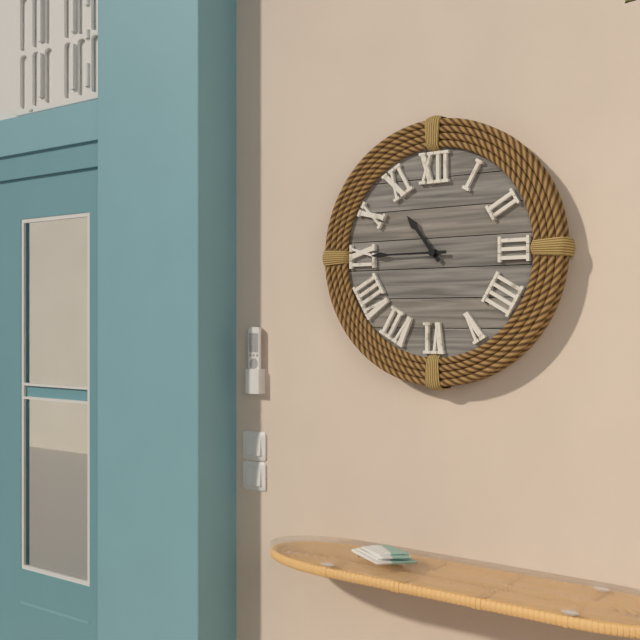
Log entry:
**10:45**
